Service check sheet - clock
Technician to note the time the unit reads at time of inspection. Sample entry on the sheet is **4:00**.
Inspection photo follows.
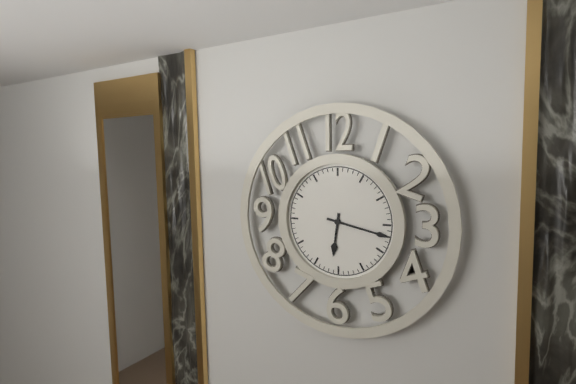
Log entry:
**6:17**
